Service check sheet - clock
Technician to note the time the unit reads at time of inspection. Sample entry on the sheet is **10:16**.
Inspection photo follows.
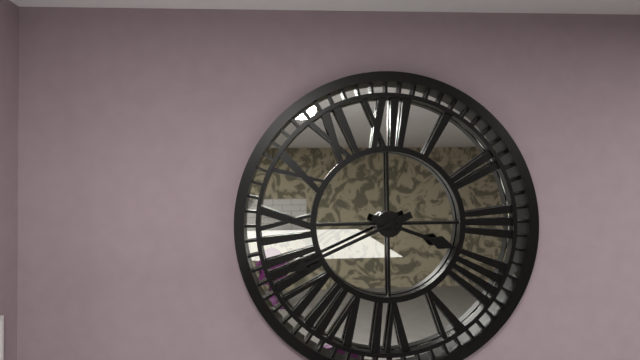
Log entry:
**3:41**
